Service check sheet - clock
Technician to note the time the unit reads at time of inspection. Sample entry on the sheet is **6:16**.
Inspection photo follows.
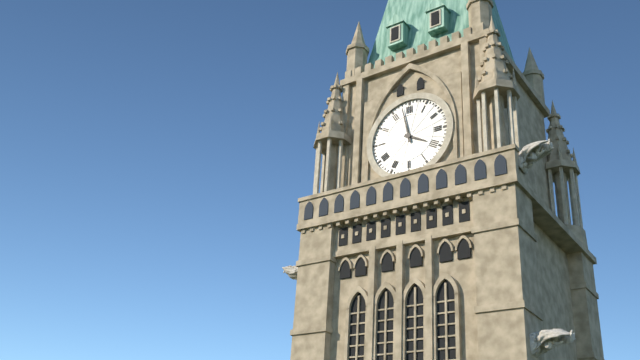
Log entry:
**3:58**
